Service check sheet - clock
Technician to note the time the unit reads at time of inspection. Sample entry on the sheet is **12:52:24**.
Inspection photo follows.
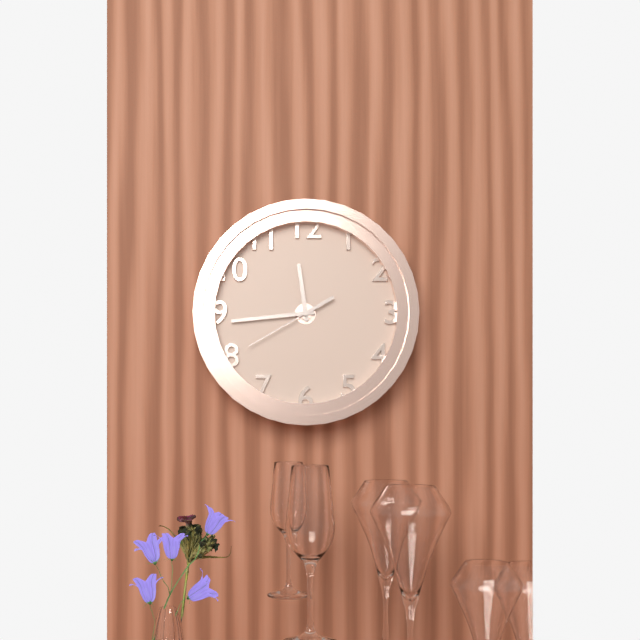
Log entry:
**11:44:40**
